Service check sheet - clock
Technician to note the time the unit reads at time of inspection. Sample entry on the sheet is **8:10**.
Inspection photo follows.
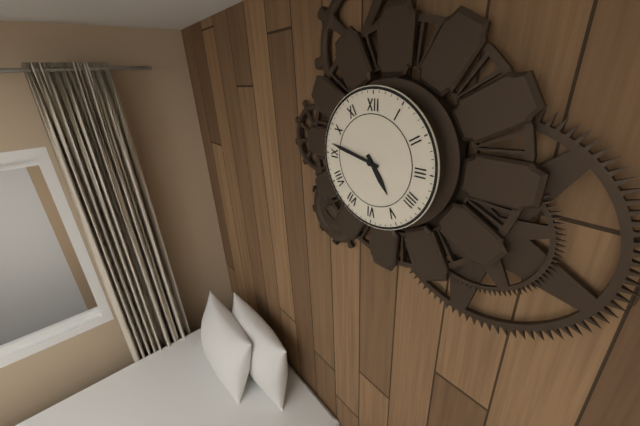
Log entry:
**4:47**
